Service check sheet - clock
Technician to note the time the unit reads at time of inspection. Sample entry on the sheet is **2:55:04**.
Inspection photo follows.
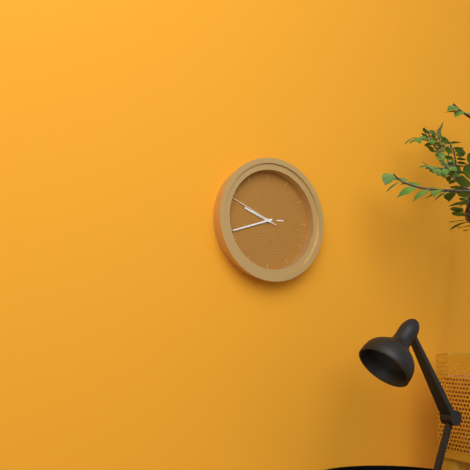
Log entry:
**9:42:49**
